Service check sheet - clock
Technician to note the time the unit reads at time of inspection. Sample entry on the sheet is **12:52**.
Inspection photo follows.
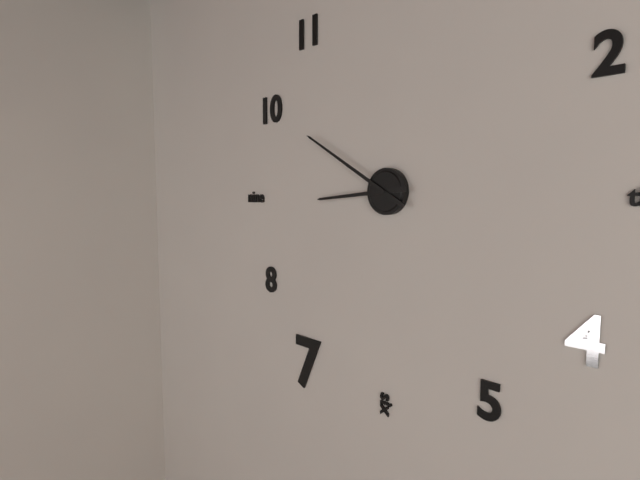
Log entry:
**8:50**
